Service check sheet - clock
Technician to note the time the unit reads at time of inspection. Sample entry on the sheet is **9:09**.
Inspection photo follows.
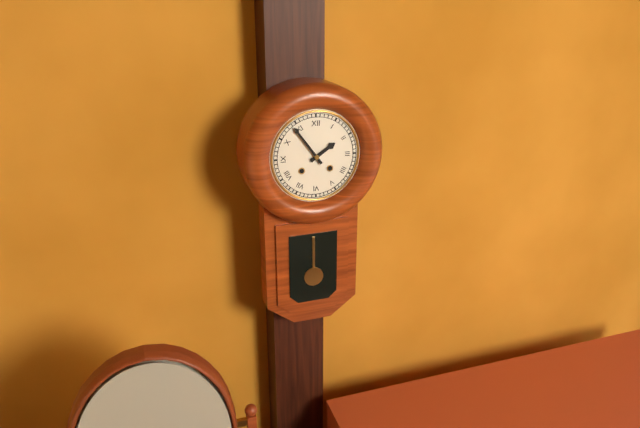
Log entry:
**1:54**
